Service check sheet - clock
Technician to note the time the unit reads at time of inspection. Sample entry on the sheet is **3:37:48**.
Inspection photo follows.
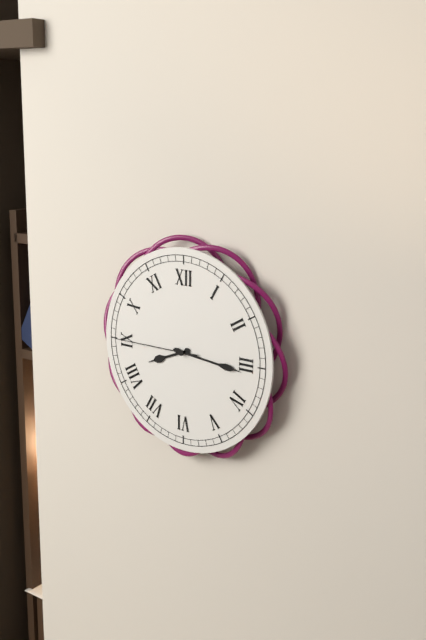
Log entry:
**8:16:45**
